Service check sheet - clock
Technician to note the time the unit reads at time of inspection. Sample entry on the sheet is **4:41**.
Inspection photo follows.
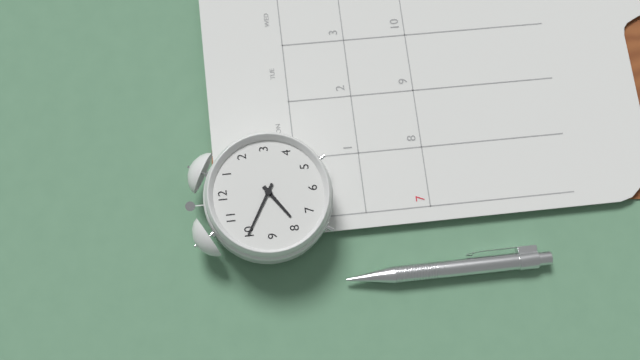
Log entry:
**7:50**
